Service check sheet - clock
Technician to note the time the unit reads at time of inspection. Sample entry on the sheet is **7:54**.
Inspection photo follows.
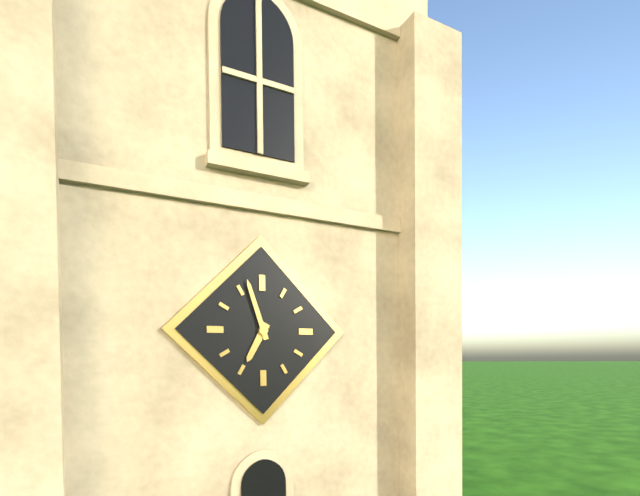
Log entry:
**6:57**
